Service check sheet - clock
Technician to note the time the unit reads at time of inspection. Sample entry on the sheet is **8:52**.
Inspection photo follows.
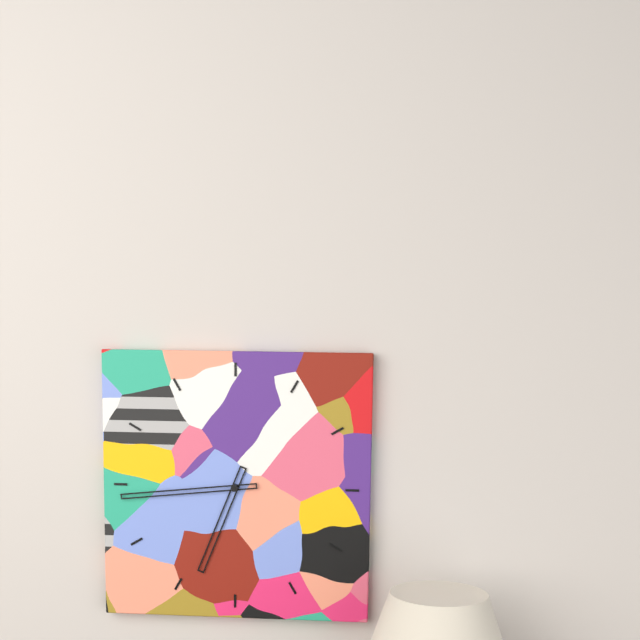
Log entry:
**6:44**
